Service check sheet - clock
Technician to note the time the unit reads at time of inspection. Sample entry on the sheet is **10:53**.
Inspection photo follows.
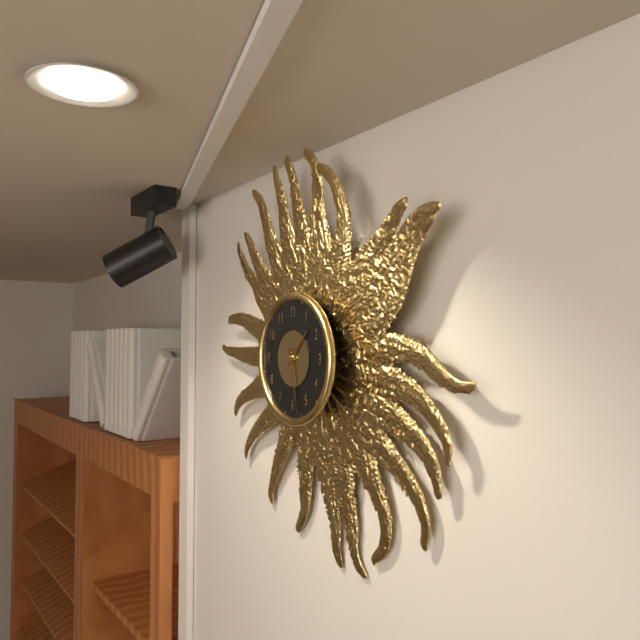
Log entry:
**1:28**
